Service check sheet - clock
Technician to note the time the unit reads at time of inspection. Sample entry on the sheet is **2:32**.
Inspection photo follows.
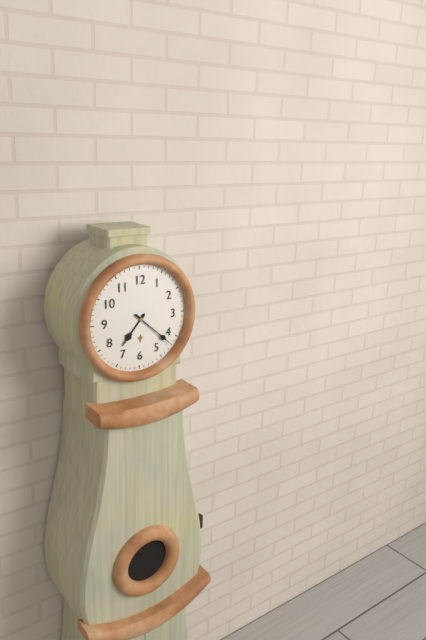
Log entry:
**7:22**
